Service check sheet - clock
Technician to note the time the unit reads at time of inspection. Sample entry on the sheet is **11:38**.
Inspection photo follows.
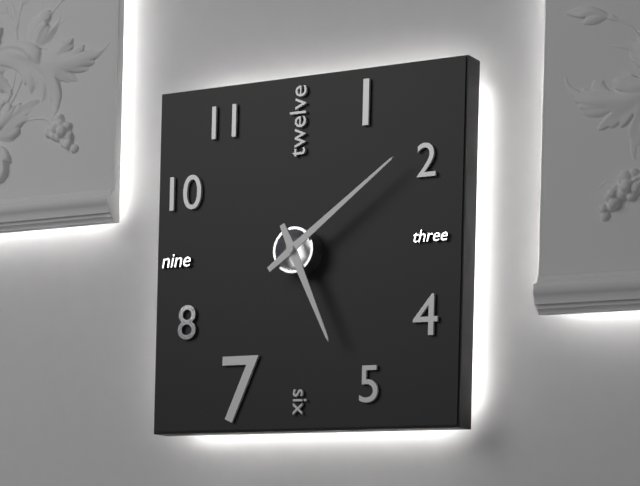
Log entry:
**5:09**
